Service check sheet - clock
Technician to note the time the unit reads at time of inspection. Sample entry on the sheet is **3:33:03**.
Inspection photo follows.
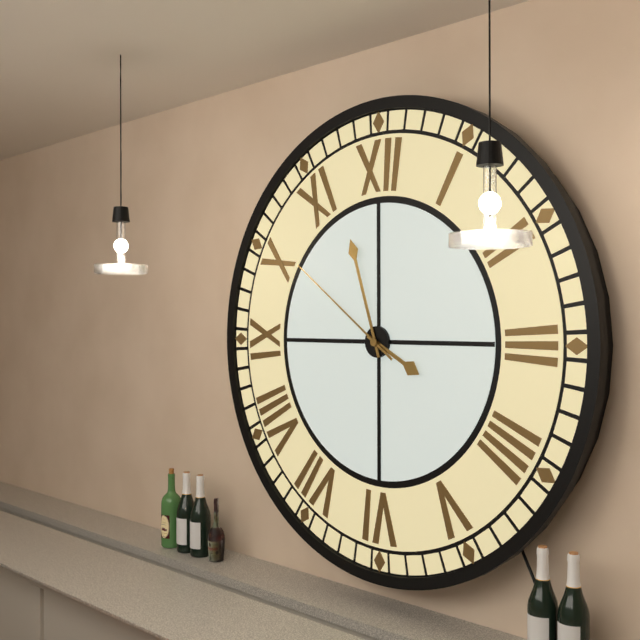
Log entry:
**3:57:51**
